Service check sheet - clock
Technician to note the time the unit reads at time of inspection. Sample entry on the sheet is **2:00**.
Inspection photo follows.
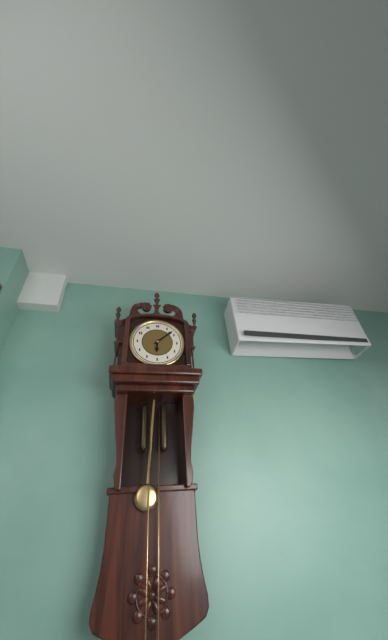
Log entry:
**6:08**
